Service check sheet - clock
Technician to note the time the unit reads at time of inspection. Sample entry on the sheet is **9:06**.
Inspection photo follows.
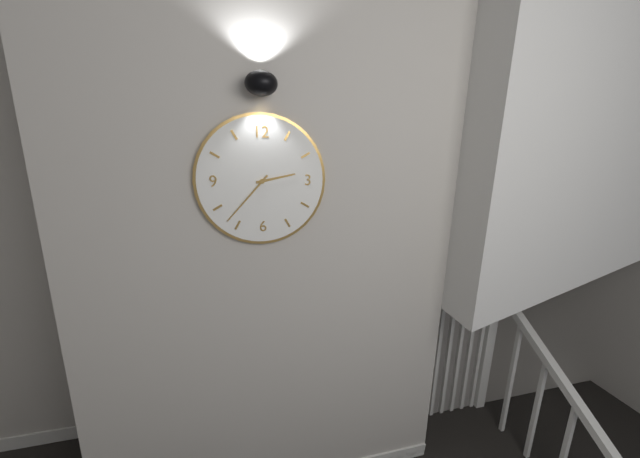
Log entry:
**2:37**
